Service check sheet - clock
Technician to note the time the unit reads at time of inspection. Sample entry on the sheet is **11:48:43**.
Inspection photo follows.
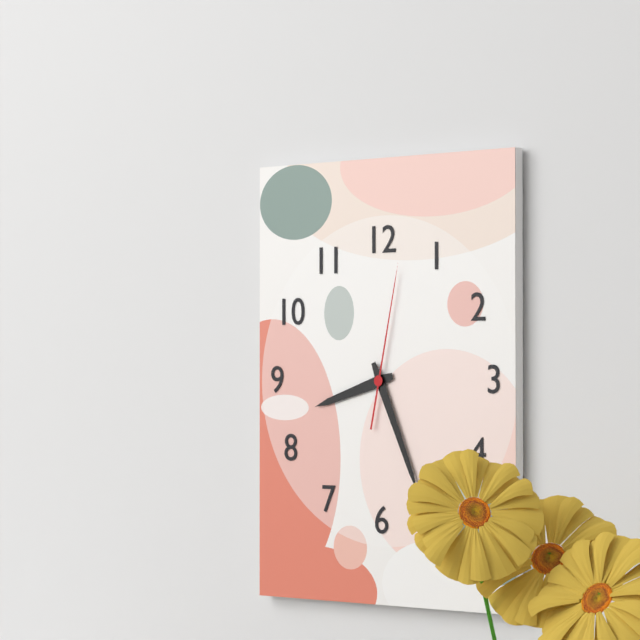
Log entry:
**8:26:02**
